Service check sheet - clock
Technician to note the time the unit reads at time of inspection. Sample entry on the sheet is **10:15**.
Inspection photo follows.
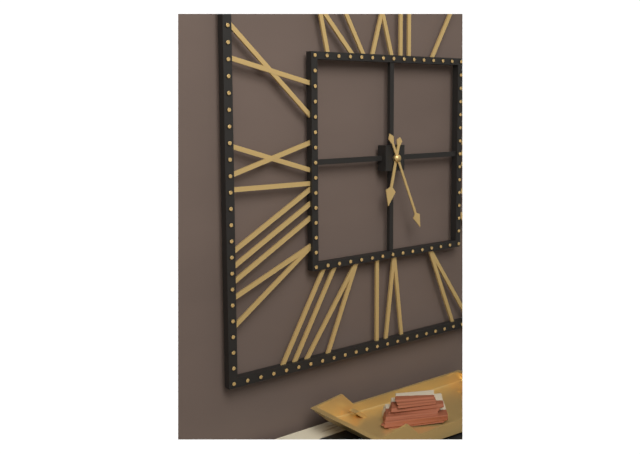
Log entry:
**6:26**
